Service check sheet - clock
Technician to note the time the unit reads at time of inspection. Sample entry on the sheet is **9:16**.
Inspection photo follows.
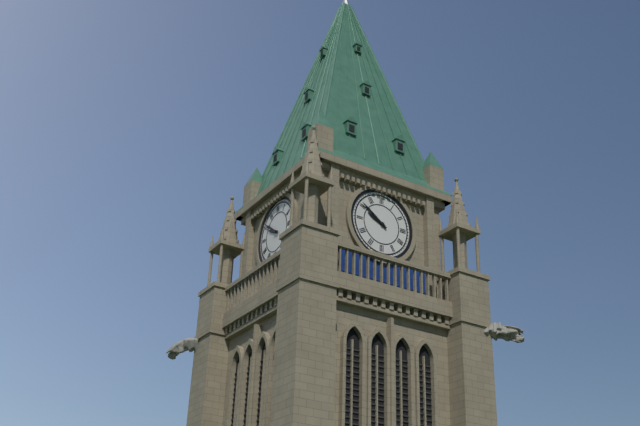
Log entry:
**9:51**
